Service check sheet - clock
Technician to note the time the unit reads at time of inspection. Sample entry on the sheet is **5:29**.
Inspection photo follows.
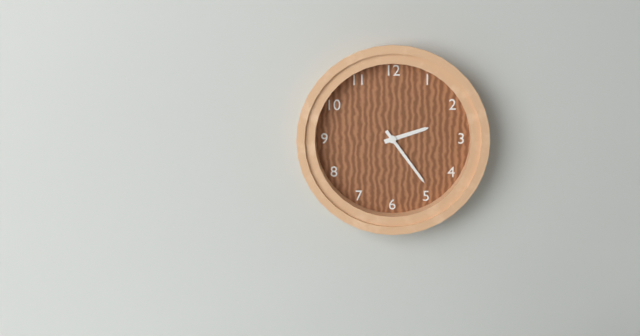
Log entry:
**2:24**
